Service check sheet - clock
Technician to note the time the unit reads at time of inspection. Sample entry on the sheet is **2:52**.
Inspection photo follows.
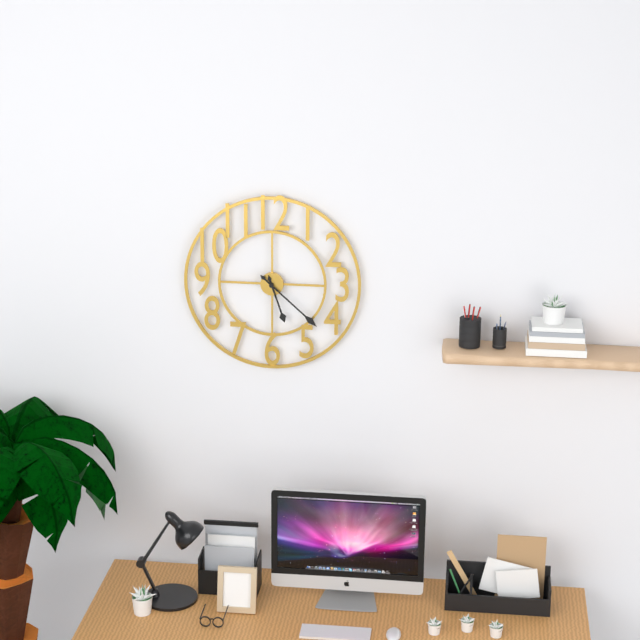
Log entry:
**5:22**
